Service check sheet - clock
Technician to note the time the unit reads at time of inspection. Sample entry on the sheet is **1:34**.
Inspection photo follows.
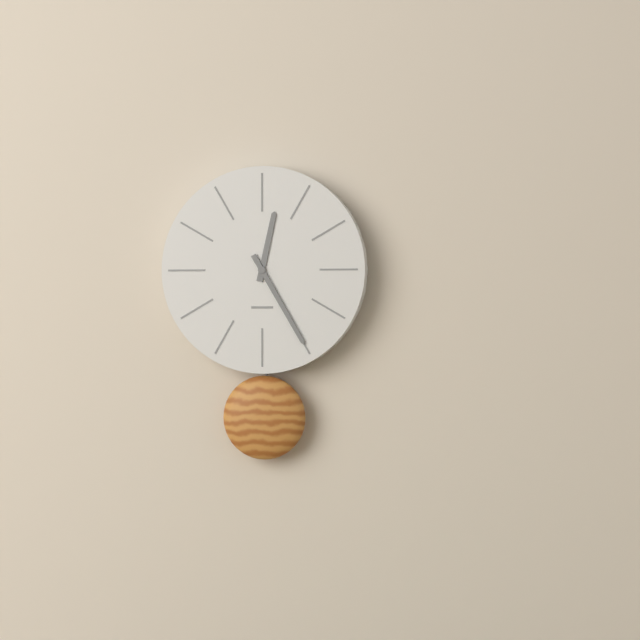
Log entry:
**12:25**
